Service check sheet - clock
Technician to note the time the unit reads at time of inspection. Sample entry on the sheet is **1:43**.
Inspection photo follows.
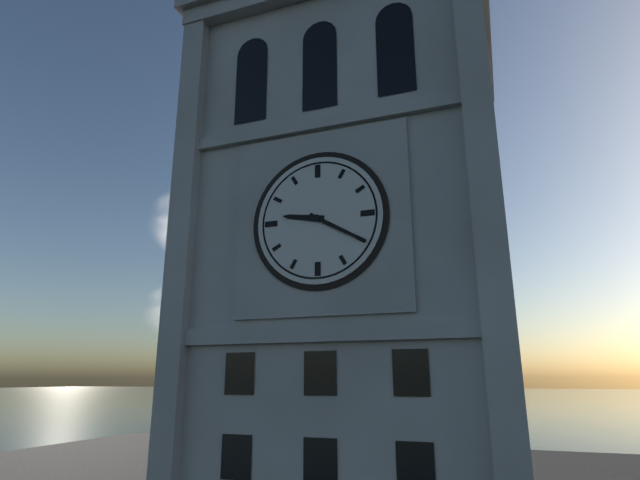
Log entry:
**9:20**
